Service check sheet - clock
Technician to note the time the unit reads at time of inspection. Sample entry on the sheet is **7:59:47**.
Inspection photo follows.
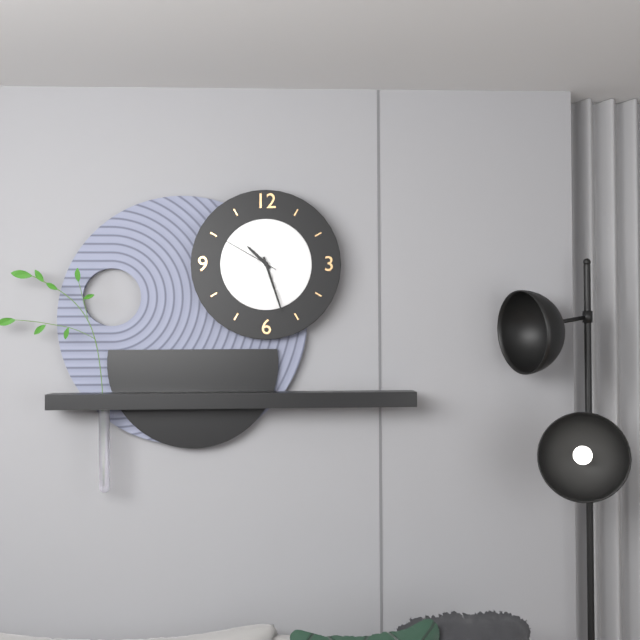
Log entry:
**10:27:50**
